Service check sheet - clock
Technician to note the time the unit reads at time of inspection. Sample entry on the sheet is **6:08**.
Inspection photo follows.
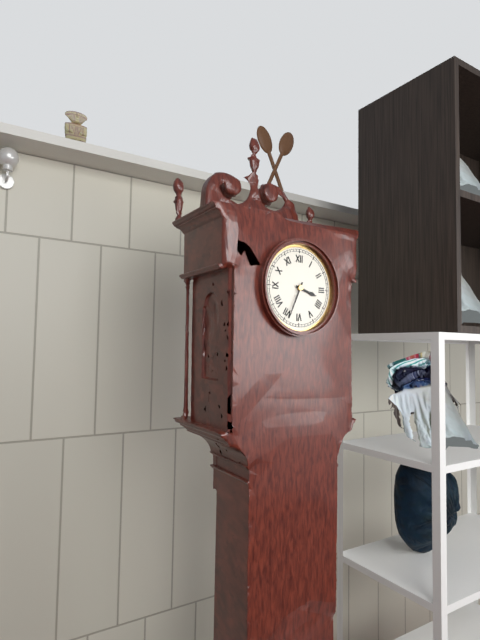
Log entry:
**3:34**
